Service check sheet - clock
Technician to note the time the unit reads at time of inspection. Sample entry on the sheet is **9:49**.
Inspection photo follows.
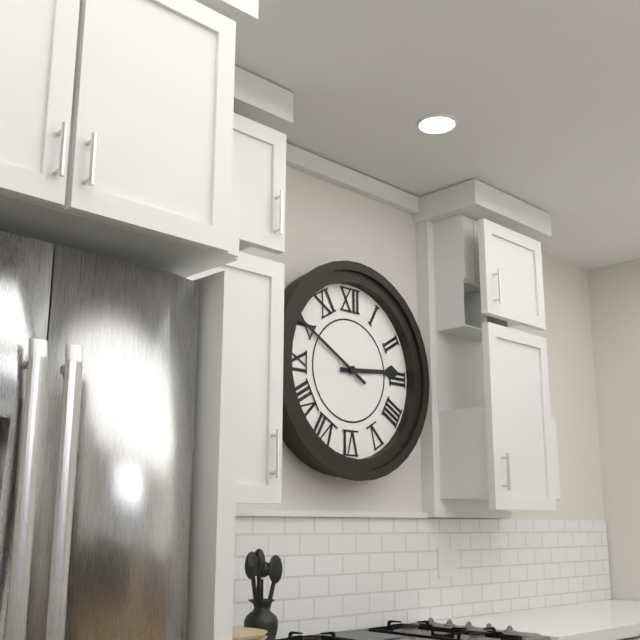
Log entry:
**2:50**
